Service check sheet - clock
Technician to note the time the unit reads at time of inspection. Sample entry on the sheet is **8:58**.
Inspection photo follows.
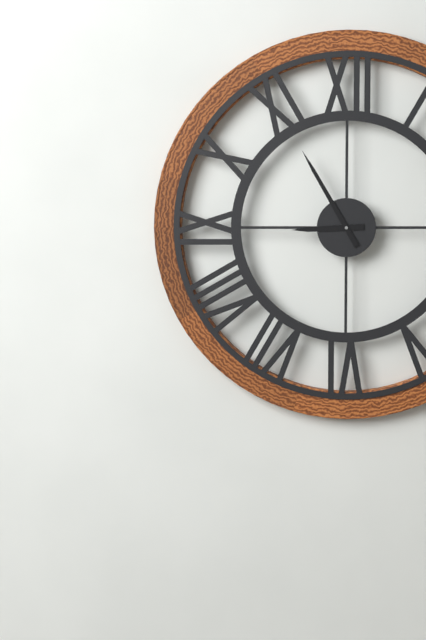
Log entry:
**8:55**
